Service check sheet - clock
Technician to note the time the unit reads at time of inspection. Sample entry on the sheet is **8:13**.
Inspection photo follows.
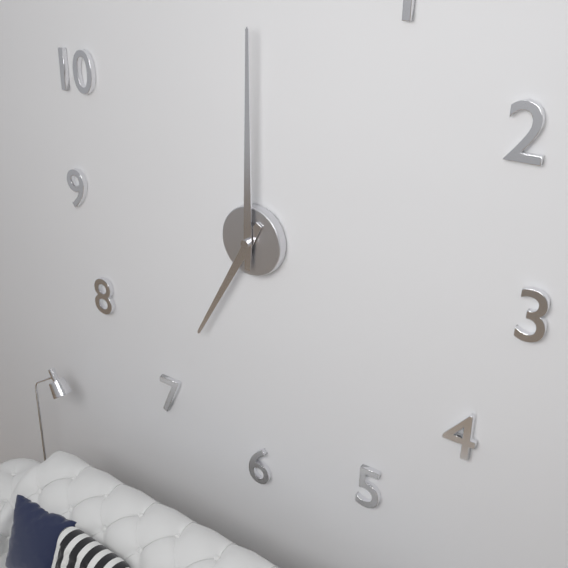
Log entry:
**7:00**
